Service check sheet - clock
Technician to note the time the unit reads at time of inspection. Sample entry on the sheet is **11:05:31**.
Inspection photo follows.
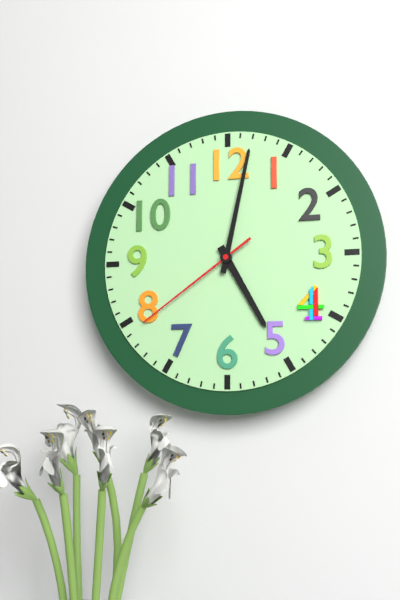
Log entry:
**5:02:39**
